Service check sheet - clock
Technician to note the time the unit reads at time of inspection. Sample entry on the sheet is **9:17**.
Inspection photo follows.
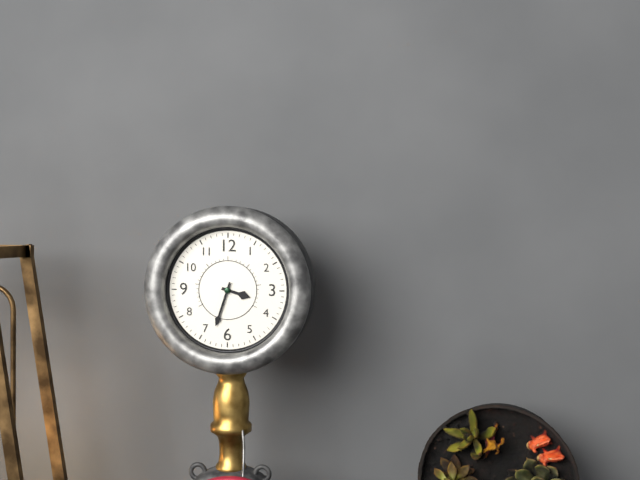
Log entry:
**3:33**
